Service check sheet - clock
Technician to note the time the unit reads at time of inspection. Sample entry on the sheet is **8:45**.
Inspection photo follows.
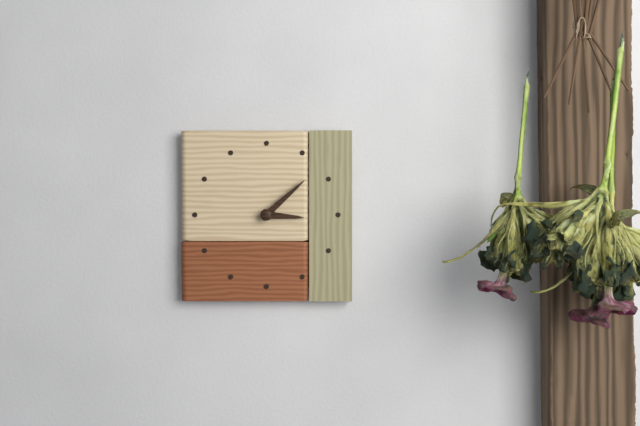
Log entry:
**3:08**
